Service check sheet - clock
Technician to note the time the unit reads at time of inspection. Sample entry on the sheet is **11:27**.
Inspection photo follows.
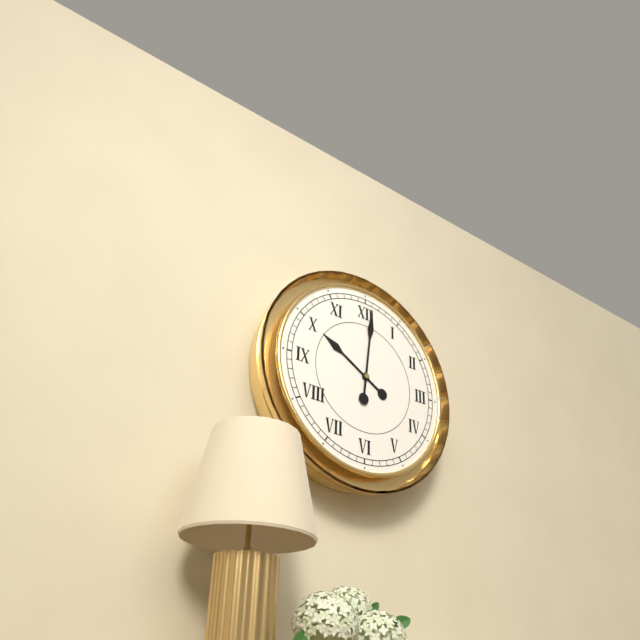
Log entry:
**10:01**
